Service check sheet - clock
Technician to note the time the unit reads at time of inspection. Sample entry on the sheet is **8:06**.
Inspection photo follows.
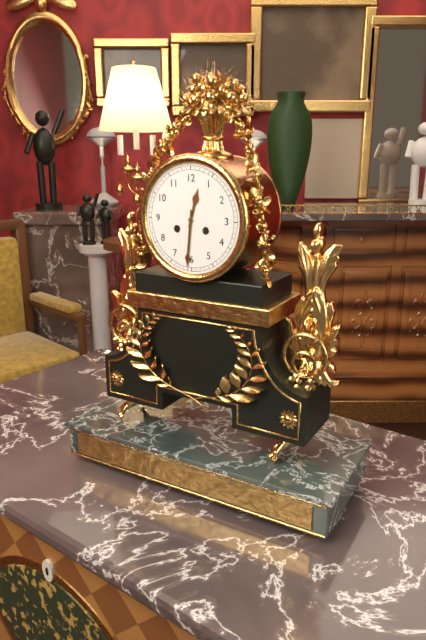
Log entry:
**12:31**
